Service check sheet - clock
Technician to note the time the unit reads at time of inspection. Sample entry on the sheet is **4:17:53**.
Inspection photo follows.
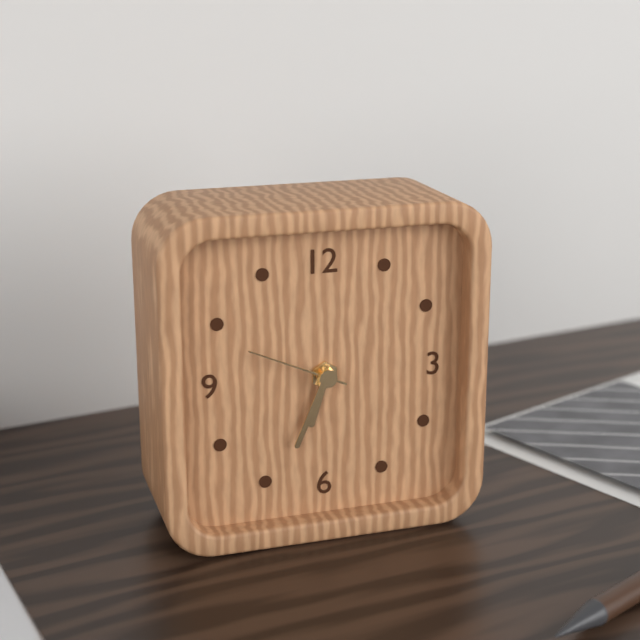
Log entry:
**6:34:49**
